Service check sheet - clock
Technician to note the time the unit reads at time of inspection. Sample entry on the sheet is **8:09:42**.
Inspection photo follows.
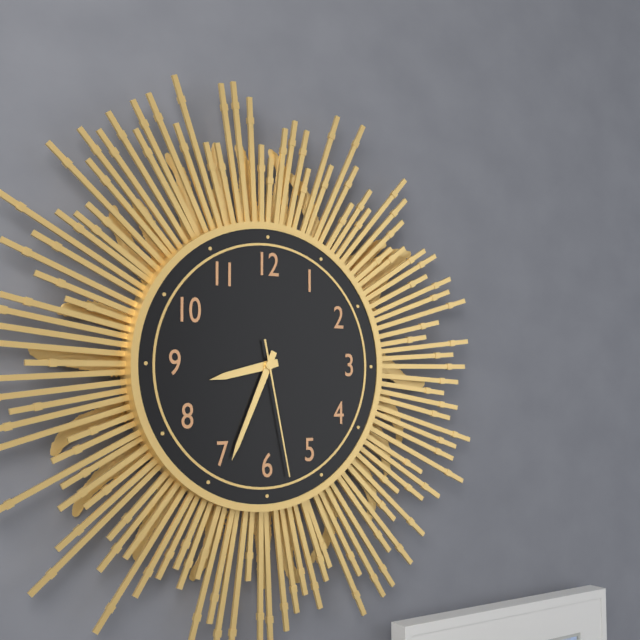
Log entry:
**8:34:28**
